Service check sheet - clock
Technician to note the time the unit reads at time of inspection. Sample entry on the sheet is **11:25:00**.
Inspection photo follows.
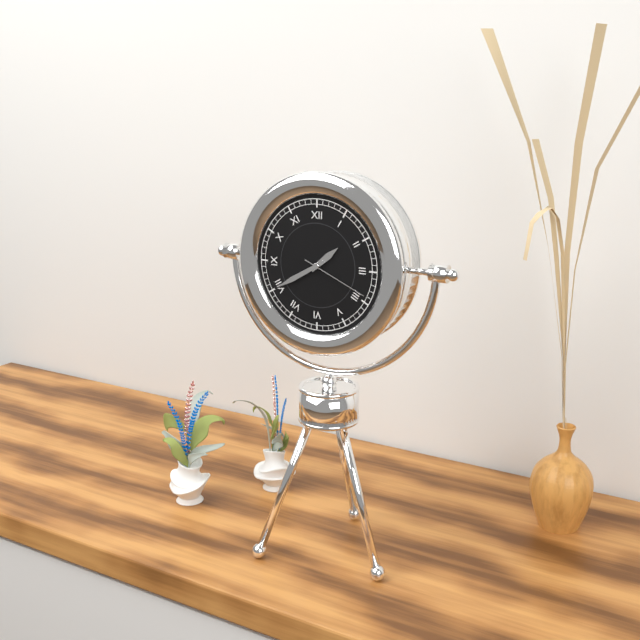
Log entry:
**1:40:19**
